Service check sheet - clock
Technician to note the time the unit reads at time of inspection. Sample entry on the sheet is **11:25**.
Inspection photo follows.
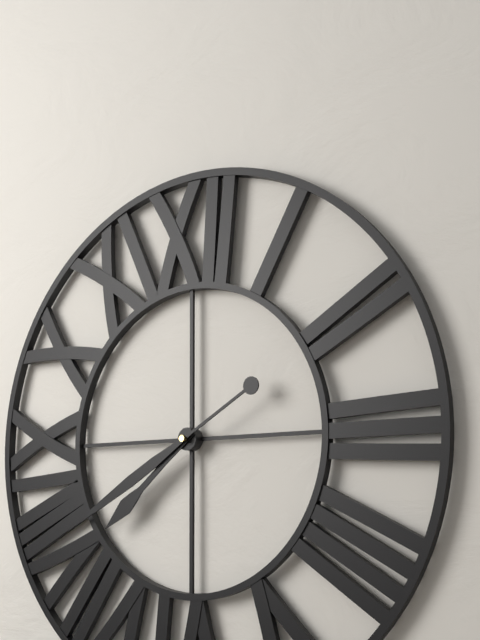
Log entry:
**7:40**
